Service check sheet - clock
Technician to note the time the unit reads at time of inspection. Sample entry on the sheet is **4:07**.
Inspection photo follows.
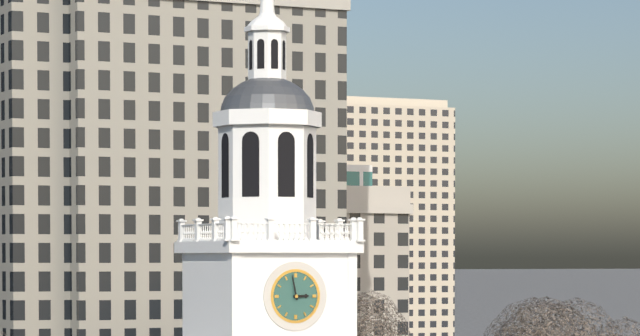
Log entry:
**2:58**
